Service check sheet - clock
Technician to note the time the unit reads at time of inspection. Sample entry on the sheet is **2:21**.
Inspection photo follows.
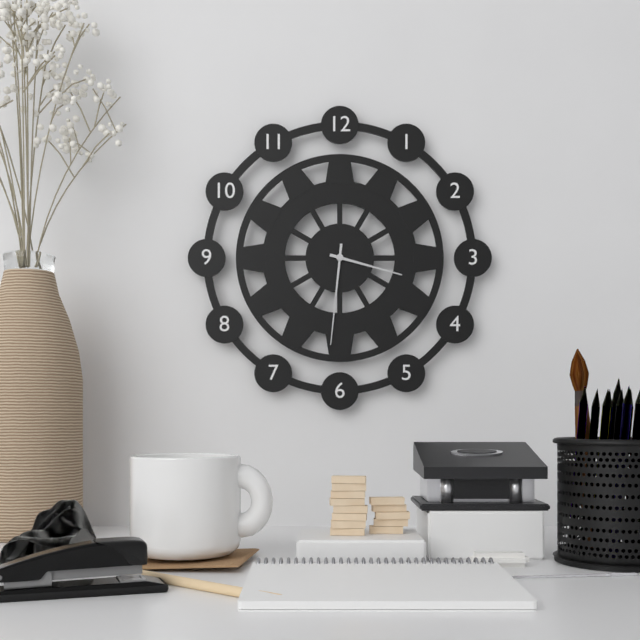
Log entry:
**3:31**
